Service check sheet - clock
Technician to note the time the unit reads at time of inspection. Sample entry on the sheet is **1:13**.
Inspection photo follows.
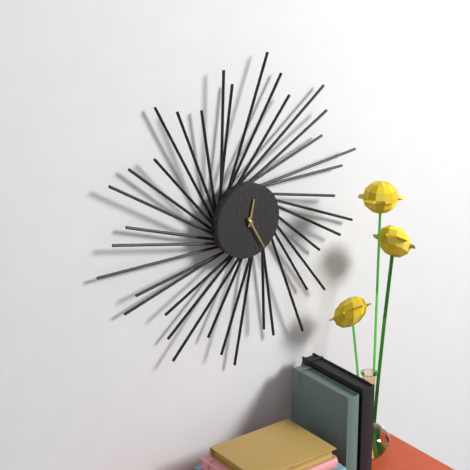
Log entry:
**12:25**
